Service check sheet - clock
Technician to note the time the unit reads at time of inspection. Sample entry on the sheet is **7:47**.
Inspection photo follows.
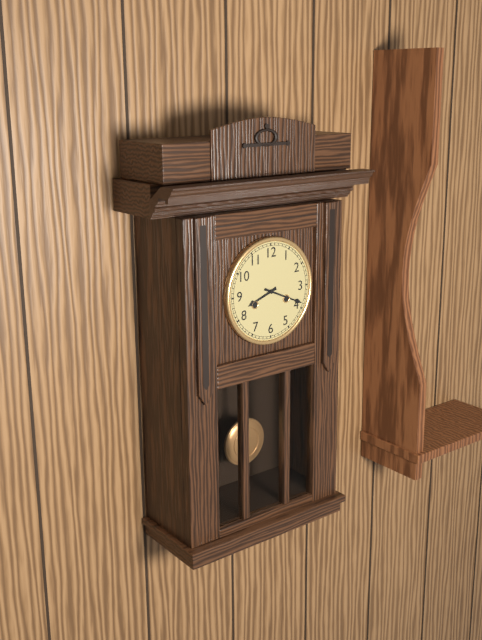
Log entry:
**8:19**
